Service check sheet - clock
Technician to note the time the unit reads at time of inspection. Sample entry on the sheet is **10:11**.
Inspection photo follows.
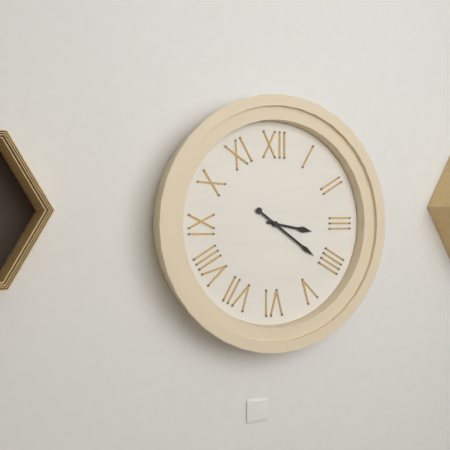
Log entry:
**3:21**
